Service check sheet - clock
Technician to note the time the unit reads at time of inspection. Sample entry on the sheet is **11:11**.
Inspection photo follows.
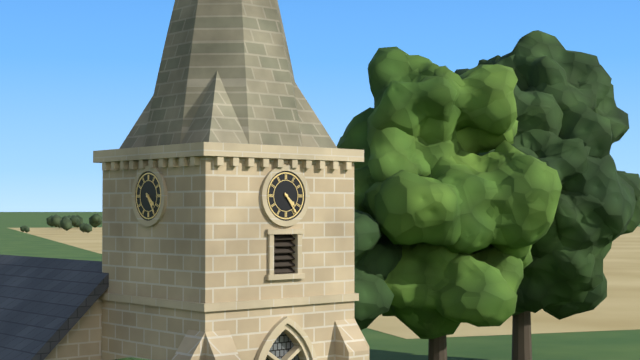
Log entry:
**4:24**
